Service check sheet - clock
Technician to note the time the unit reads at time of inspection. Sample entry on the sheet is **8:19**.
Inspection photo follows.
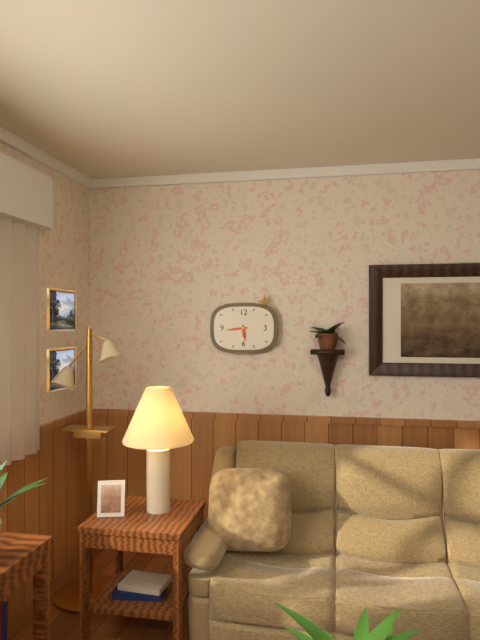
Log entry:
**5:44**
